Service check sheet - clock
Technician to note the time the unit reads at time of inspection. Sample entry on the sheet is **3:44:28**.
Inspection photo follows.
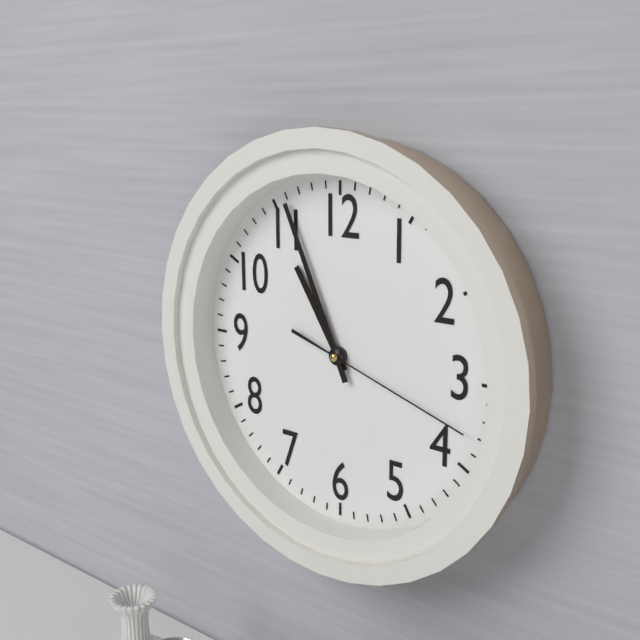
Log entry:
**10:56:18**
